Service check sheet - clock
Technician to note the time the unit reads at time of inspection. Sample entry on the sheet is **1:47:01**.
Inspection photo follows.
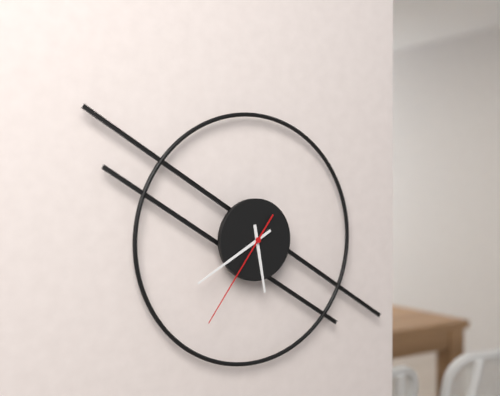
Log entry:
**5:40:36**
